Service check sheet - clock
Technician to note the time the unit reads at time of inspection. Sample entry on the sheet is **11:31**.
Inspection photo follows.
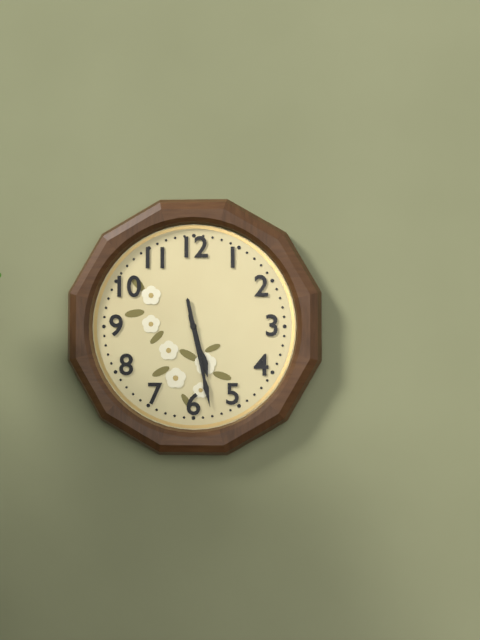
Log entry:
**5:28**
